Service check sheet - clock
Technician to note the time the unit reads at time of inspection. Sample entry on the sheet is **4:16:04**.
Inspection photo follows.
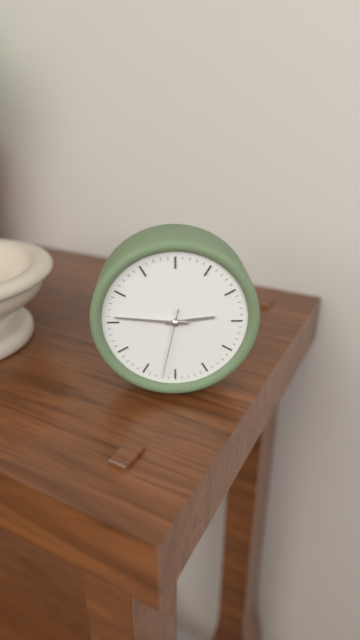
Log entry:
**2:46:32**
